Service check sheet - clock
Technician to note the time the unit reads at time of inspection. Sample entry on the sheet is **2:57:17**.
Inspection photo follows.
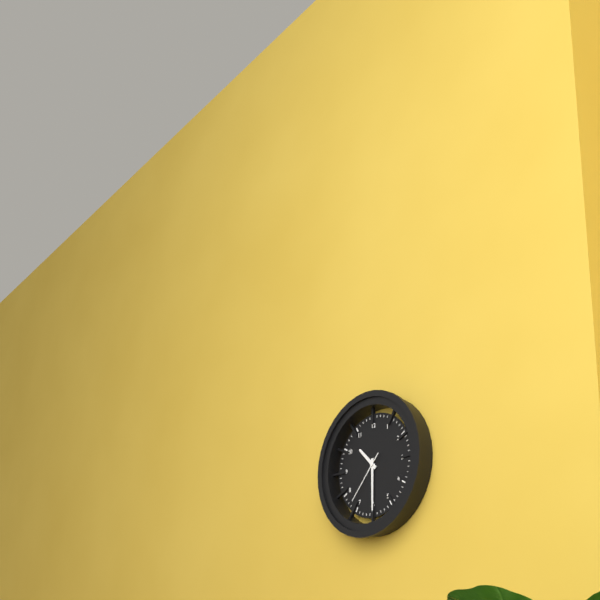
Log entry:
**10:30:37**
